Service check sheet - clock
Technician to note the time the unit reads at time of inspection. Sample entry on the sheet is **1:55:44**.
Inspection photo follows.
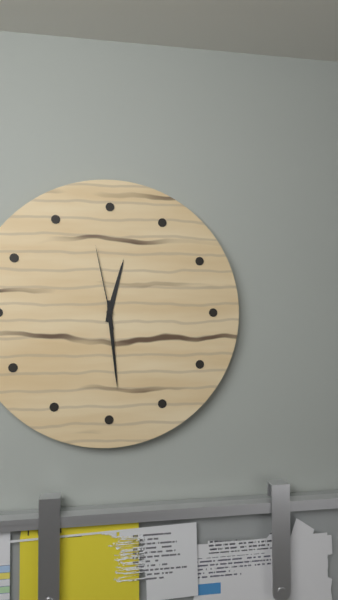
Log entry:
**12:29:58**
